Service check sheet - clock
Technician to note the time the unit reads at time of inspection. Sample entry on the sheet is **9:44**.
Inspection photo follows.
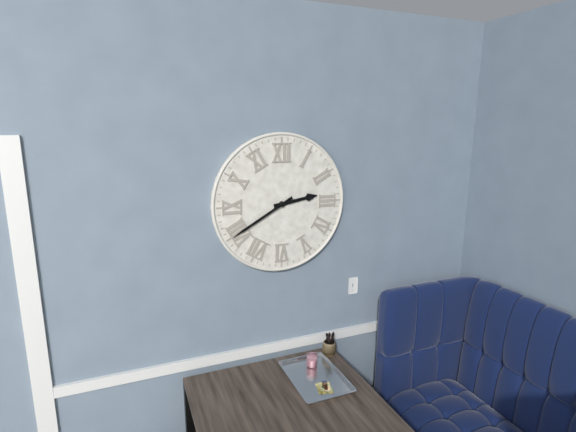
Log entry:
**2:40**
